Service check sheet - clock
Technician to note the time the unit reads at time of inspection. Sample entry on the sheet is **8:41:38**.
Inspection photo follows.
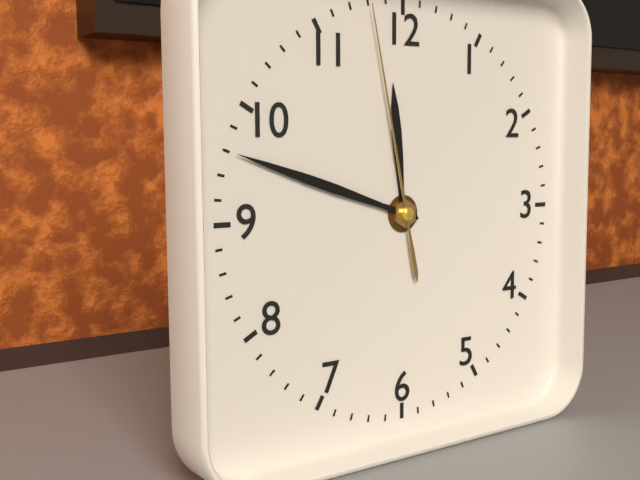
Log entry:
**11:48:58**
